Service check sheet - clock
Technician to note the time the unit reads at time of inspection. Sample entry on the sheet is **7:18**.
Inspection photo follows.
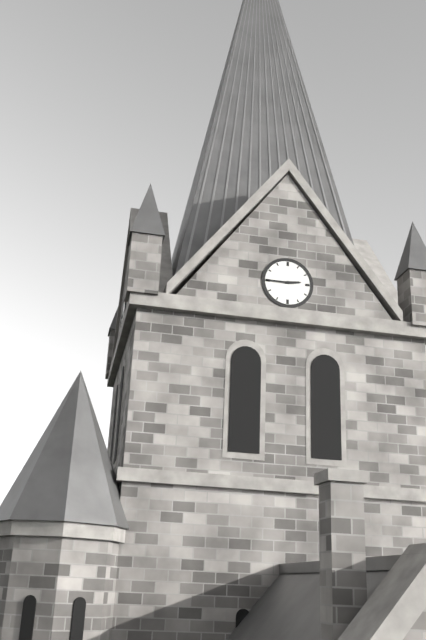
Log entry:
**2:45**
